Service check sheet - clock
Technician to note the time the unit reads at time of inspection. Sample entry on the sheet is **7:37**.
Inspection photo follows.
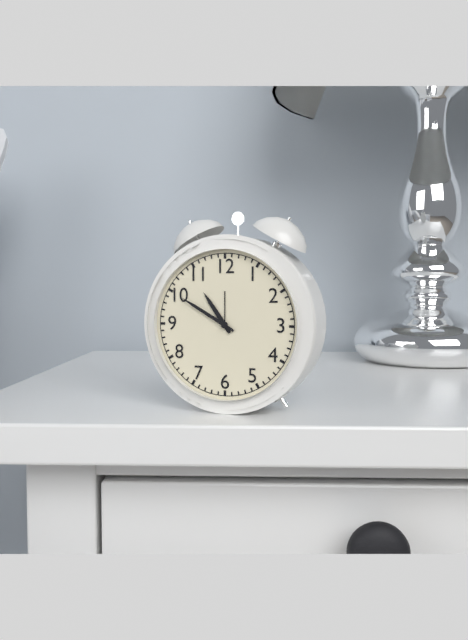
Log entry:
**10:50**
